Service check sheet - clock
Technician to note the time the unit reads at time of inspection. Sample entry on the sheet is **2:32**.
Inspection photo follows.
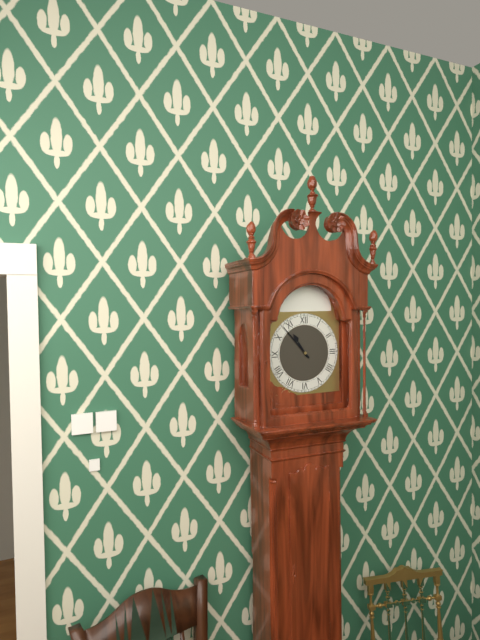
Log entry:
**10:53**
